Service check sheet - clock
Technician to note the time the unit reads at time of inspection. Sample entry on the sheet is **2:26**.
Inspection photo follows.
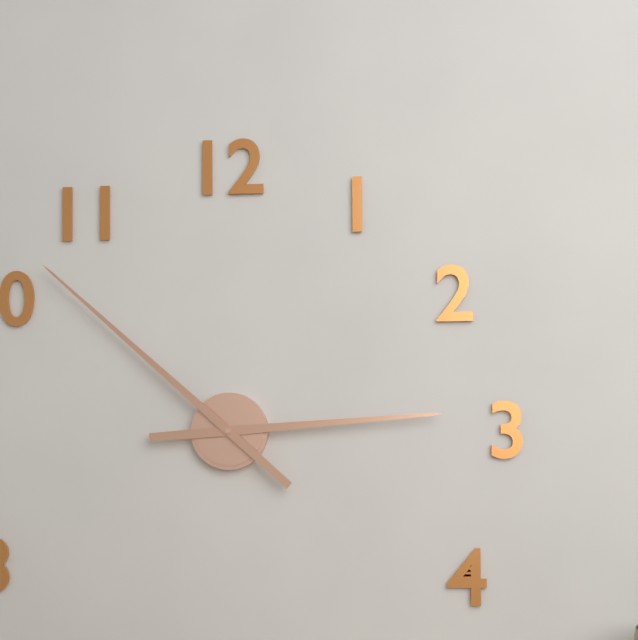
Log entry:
**2:52**
